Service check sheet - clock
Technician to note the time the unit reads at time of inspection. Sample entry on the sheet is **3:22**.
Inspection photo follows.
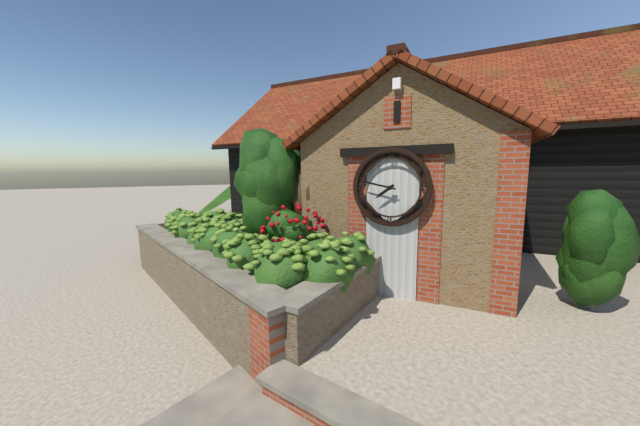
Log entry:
**7:47**
